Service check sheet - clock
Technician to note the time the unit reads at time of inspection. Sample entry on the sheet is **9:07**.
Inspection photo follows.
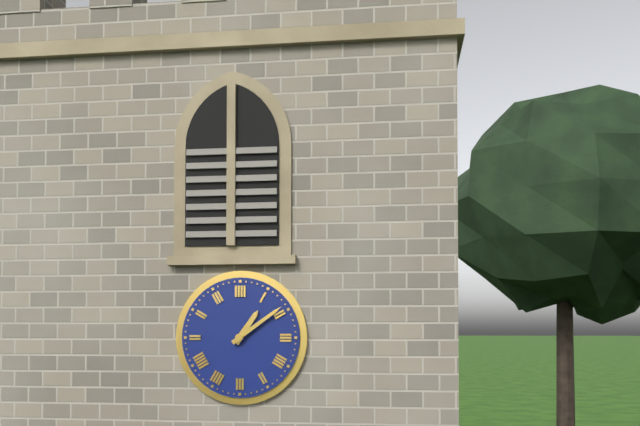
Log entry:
**1:09**
